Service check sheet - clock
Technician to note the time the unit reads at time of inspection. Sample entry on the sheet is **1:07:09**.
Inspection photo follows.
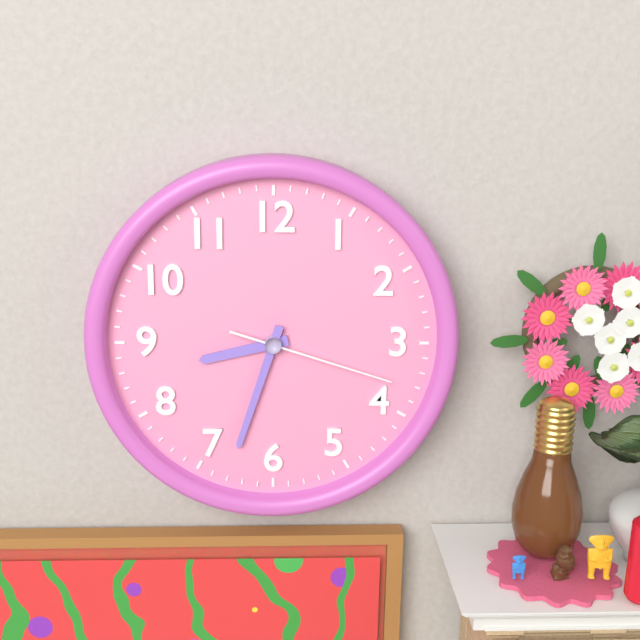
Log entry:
**8:33:18**
